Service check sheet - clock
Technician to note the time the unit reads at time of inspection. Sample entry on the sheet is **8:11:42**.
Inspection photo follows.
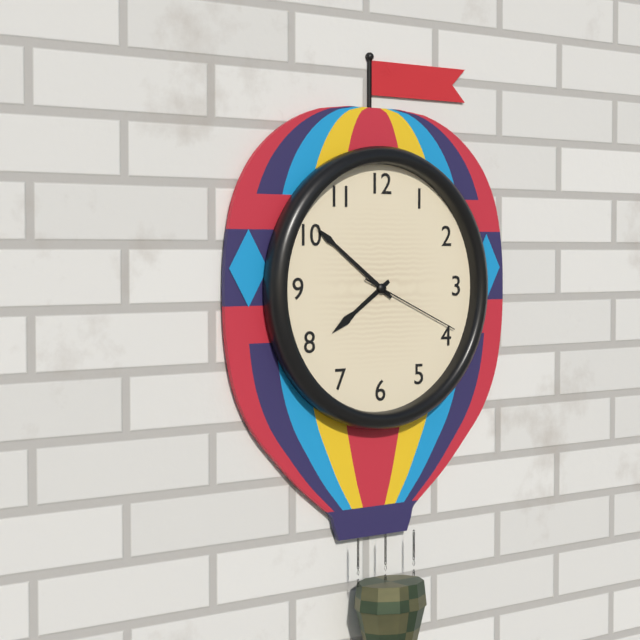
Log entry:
**7:51:19**
